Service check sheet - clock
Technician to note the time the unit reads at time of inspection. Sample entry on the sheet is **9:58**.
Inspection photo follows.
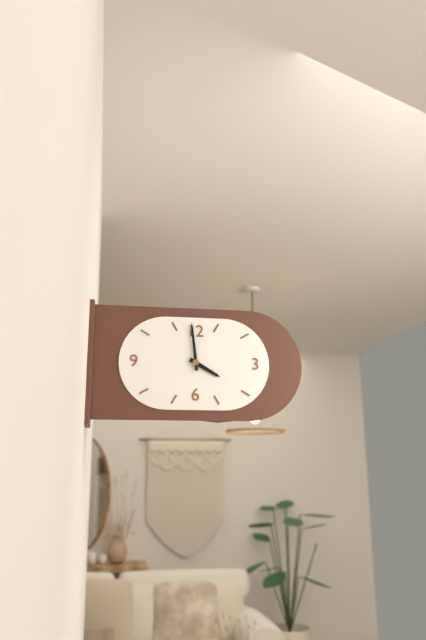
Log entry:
**3:59**
